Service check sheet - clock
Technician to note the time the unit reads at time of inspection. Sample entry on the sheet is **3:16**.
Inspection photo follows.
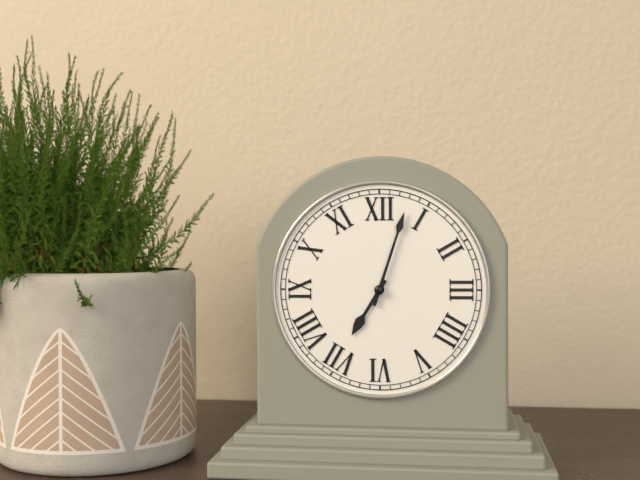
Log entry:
**7:03**
